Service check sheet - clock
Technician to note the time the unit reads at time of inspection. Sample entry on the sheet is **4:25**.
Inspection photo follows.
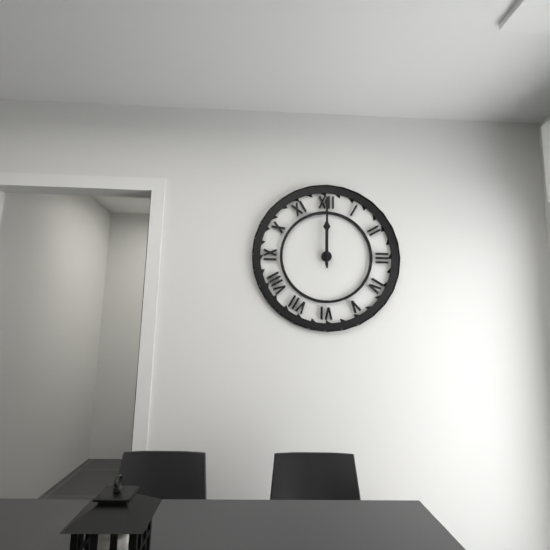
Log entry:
**12:00**
